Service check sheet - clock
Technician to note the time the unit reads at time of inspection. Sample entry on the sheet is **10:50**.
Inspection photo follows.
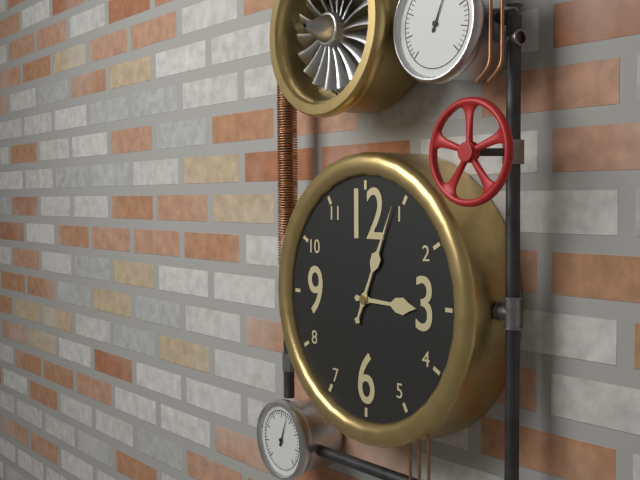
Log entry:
**3:04**
